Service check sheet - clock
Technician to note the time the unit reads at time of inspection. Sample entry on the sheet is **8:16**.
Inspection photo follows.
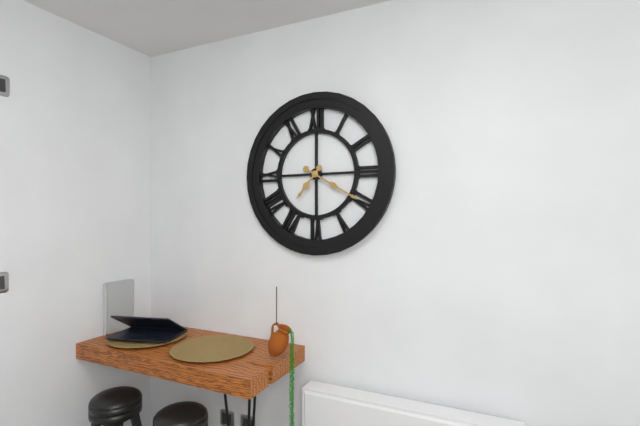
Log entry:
**7:20**
